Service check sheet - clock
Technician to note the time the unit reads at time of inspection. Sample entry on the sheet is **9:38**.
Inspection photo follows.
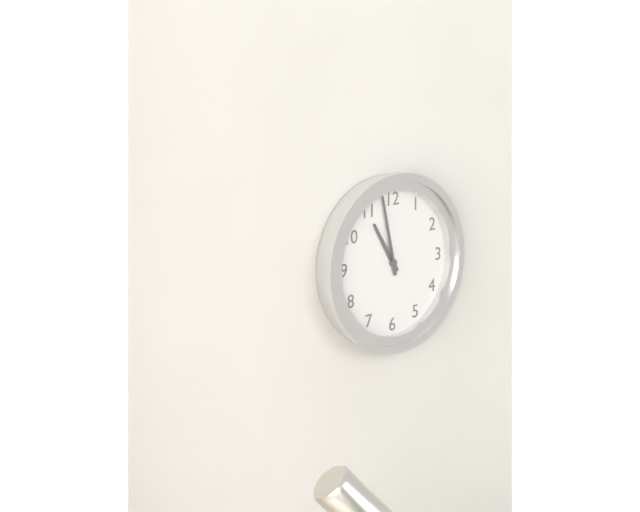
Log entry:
**10:58**
